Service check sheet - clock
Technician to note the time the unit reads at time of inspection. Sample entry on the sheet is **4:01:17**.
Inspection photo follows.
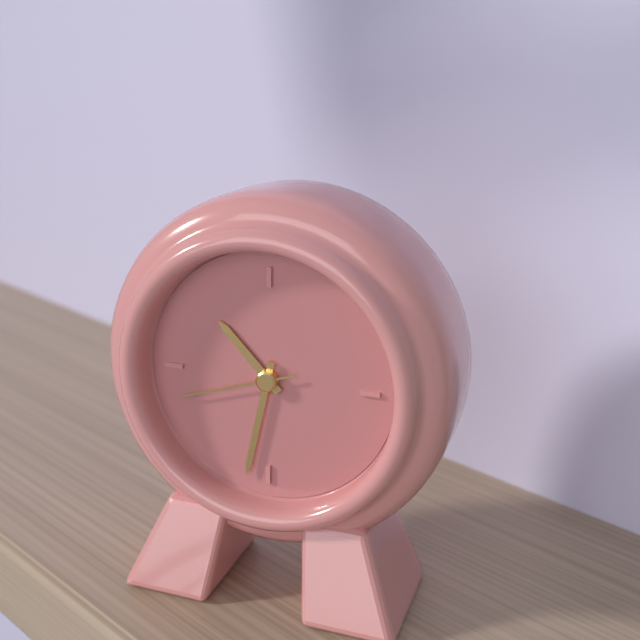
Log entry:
**10:32:42**
